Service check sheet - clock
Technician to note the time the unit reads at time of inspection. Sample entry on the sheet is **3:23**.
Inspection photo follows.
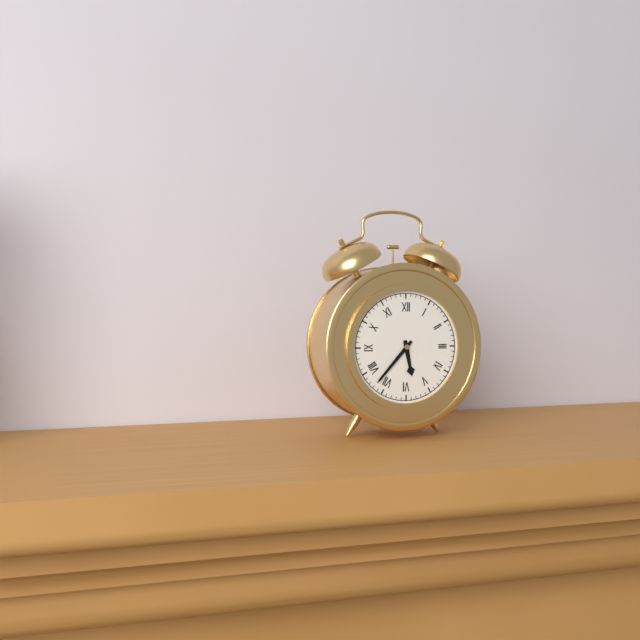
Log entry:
**5:37**
